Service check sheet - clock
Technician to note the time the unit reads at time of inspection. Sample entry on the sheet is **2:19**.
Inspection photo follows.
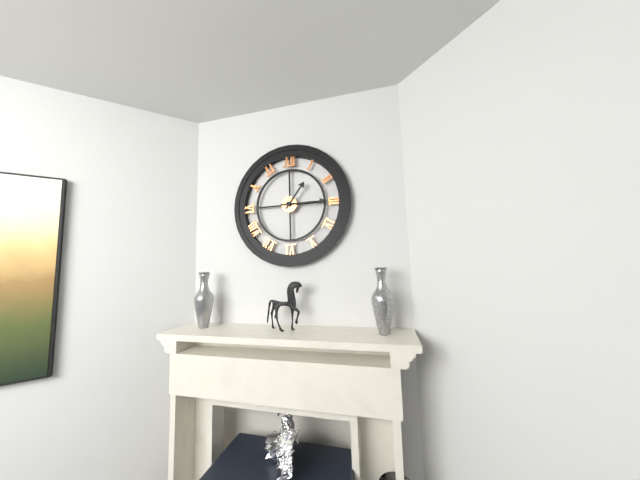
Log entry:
**1:15**
